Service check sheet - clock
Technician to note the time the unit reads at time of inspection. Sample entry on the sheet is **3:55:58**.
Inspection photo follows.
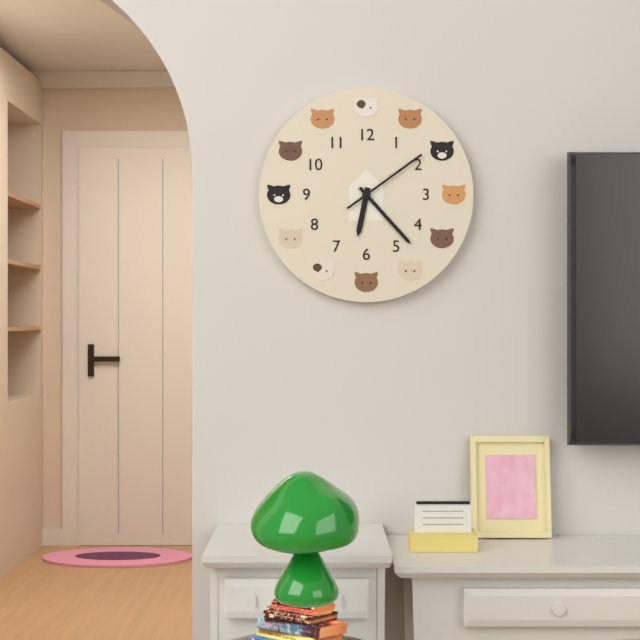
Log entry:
**6:23:09**
